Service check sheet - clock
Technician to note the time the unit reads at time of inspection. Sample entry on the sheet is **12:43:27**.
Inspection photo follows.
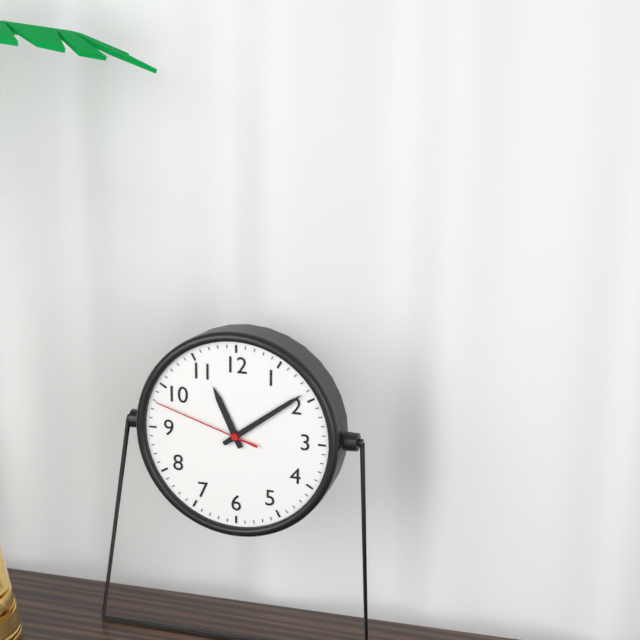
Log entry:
**11:09:48**
